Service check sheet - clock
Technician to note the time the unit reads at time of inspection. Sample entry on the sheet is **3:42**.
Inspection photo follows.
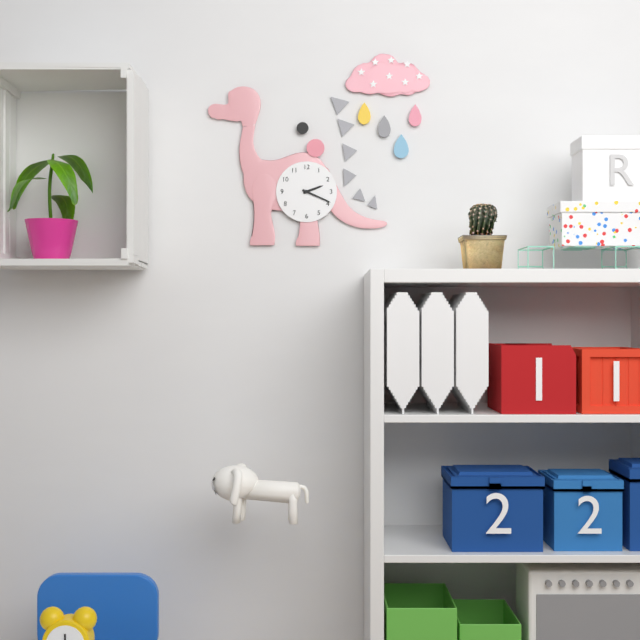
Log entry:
**2:19**
